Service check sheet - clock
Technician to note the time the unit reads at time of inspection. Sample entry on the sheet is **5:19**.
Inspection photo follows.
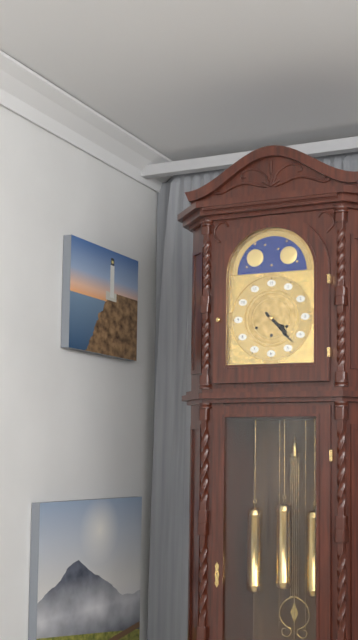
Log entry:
**4:23**
